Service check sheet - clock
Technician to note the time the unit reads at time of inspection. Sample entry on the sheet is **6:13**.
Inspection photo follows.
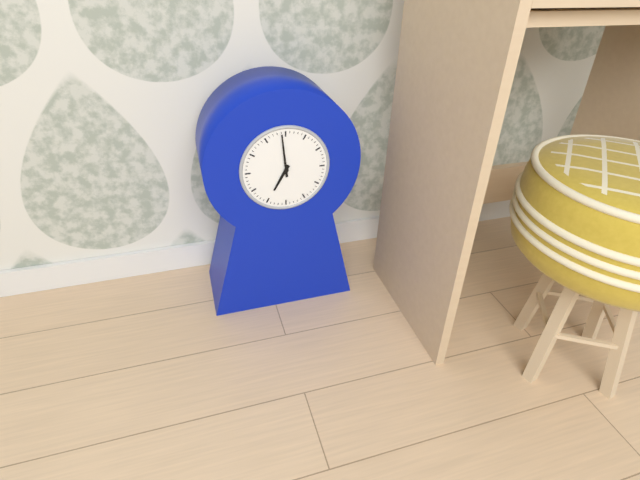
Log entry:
**6:59**
